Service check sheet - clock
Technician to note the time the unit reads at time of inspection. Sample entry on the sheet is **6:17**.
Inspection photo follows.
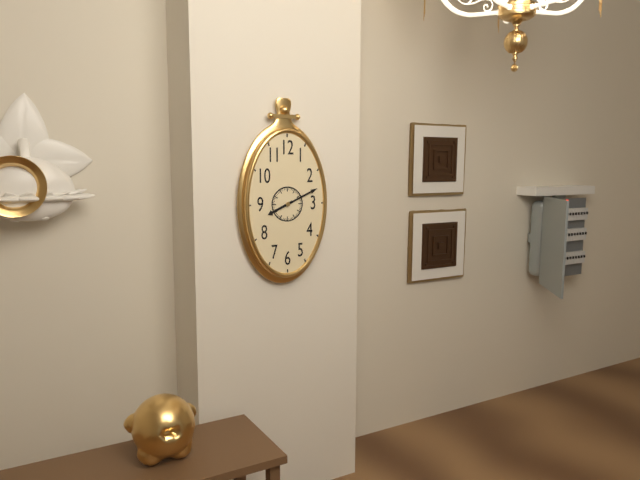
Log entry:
**8:11**
